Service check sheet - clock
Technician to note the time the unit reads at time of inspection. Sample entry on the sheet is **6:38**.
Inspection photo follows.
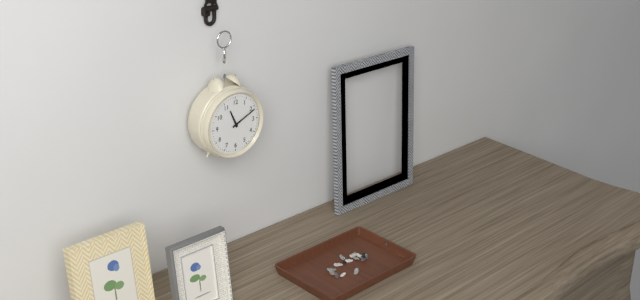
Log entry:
**11:11**
